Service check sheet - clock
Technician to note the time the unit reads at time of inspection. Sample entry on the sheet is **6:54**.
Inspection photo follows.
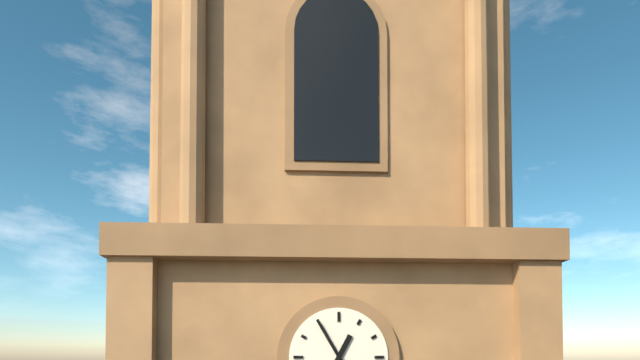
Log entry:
**12:55**
